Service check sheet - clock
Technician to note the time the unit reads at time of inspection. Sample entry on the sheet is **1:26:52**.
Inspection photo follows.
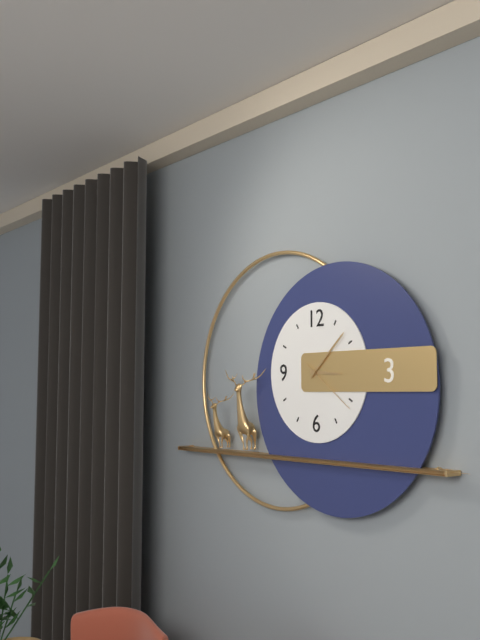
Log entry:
**3:08:21**
